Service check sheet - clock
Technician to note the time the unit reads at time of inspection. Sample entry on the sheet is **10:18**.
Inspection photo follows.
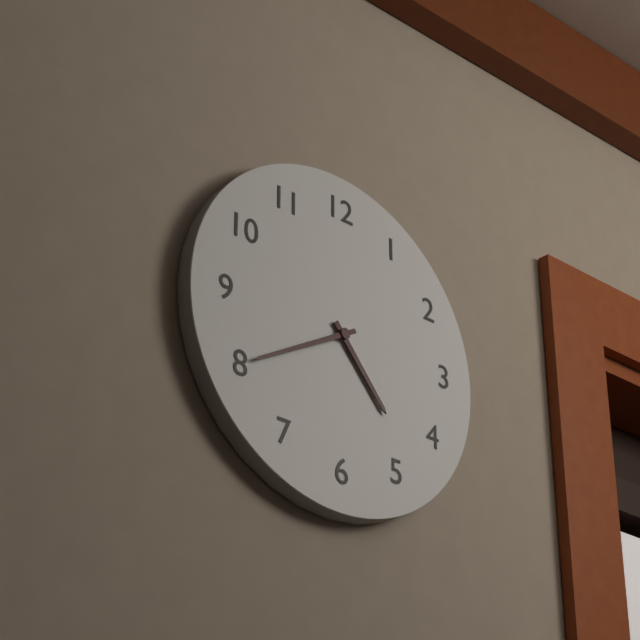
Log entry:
**4:40**
